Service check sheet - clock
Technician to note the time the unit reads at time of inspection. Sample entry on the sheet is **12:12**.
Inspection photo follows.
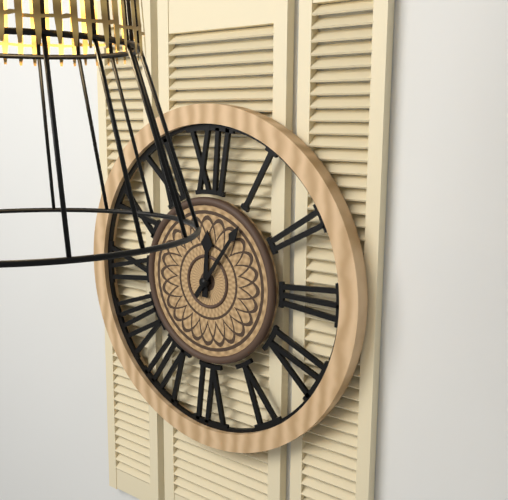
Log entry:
**12:06**
